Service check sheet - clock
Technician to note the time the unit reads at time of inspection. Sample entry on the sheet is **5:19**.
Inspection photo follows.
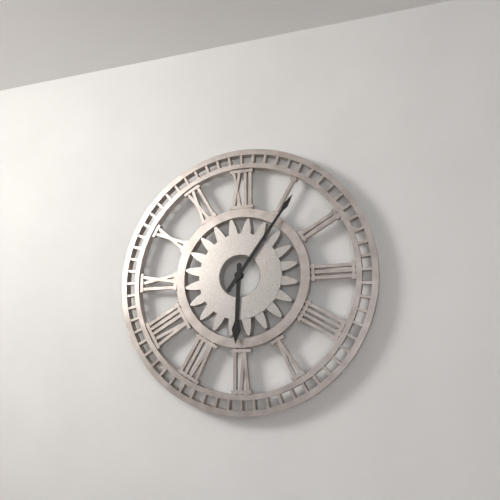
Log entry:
**6:06**
